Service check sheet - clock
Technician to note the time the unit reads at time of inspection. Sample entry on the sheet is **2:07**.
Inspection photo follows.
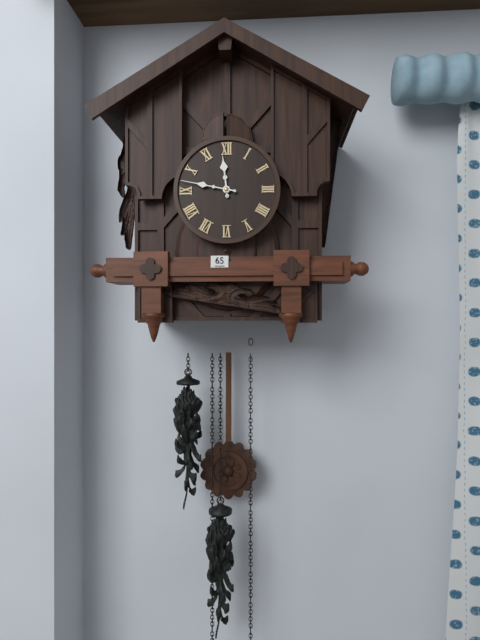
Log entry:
**11:47**
